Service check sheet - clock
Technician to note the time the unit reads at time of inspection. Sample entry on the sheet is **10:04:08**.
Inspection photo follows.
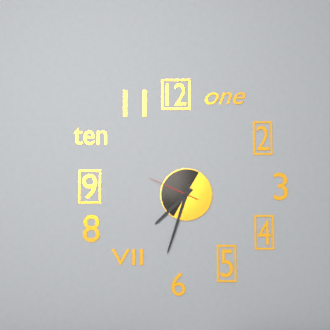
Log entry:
**7:33:49**
